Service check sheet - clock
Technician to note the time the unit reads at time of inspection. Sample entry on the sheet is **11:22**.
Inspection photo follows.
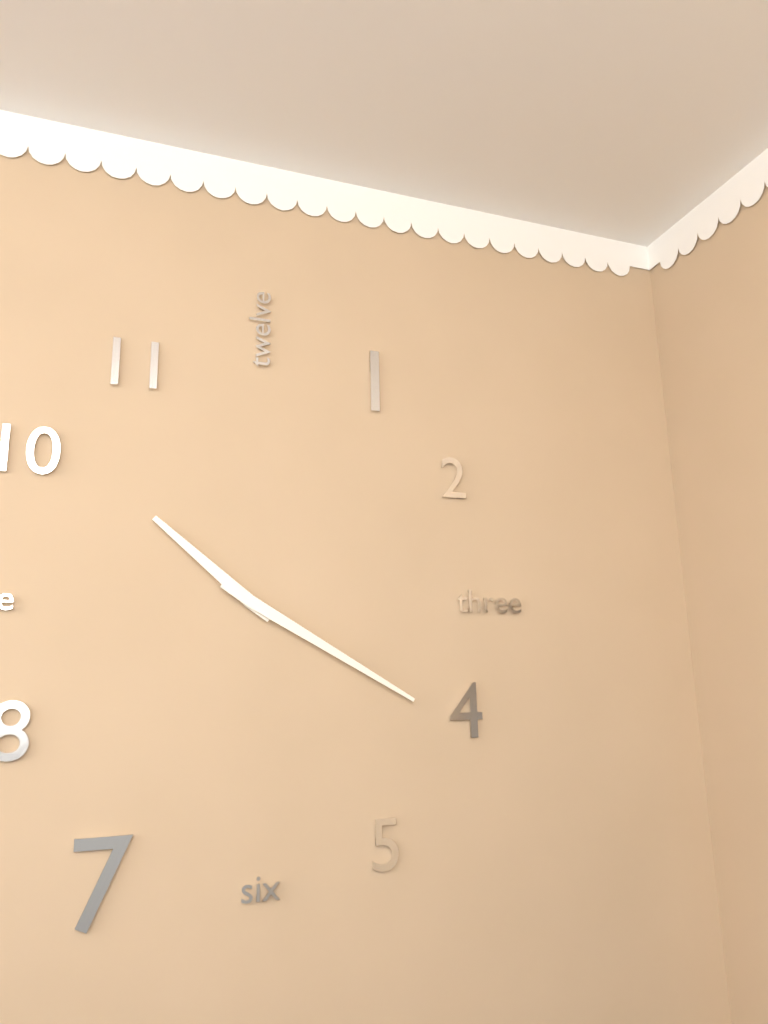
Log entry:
**10:20**
